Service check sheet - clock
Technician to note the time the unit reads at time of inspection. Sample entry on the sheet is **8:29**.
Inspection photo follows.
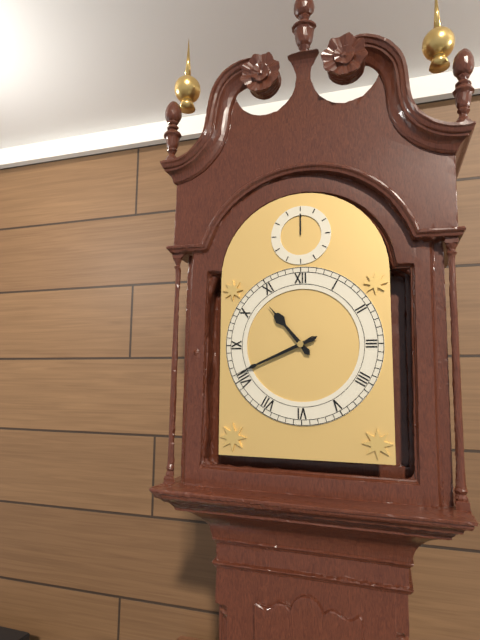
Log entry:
**10:41**
